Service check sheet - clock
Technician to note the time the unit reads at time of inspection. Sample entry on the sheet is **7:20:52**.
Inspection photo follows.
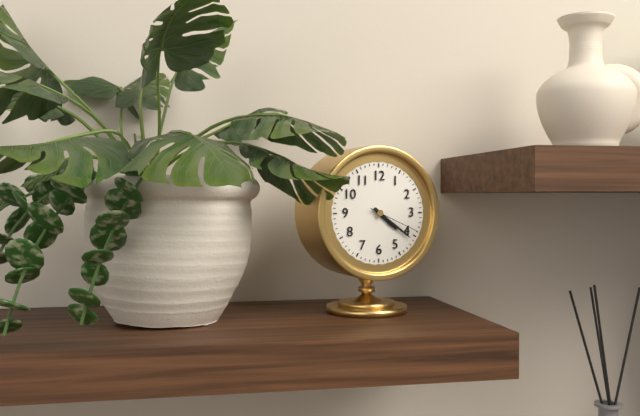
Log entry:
**4:21:19**
